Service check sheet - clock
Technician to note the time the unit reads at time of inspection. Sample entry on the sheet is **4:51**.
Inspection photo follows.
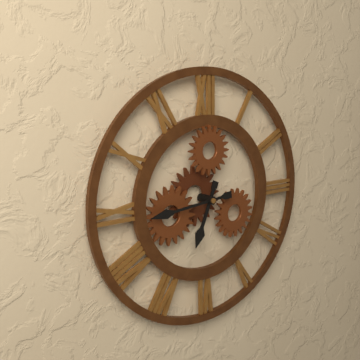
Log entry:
**6:44**
